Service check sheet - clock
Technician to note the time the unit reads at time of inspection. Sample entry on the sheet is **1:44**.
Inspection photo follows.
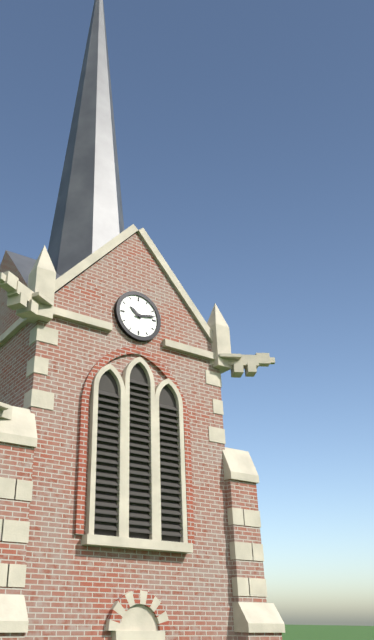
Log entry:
**10:13**
